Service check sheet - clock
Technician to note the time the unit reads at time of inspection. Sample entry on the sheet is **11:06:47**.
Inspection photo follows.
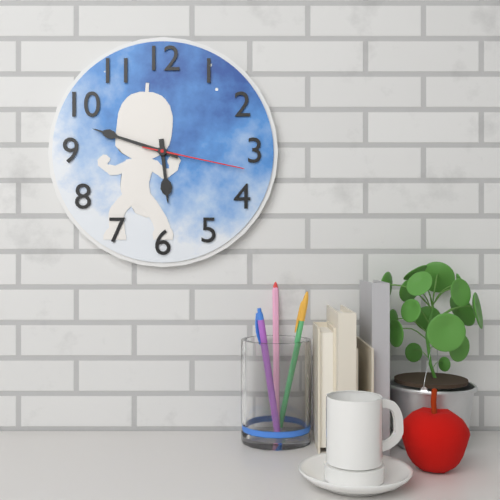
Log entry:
**5:48:17**
